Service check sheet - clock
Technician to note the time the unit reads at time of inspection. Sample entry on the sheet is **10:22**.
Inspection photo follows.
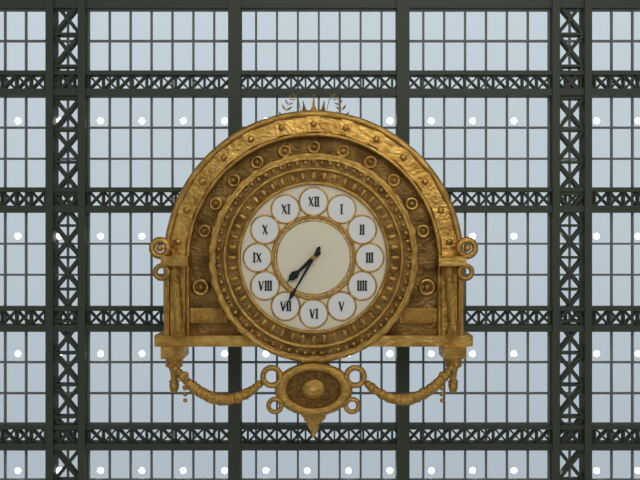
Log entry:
**7:35**
